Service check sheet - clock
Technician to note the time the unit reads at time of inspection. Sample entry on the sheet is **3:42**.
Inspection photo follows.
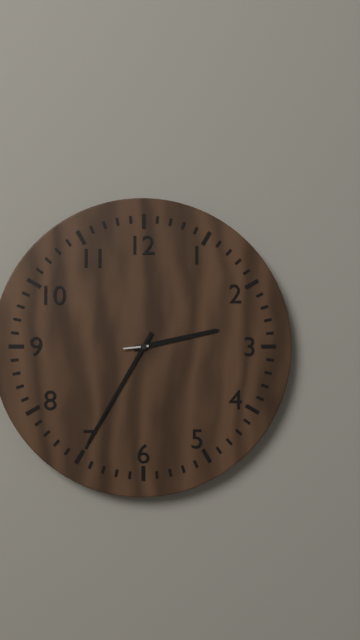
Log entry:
**2:35**
